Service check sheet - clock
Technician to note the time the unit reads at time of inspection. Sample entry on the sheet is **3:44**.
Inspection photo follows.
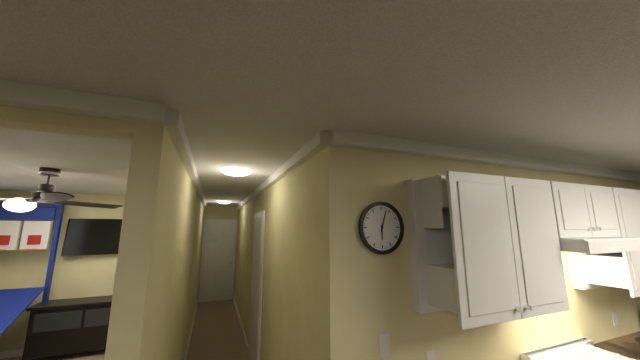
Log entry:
**6:03**
